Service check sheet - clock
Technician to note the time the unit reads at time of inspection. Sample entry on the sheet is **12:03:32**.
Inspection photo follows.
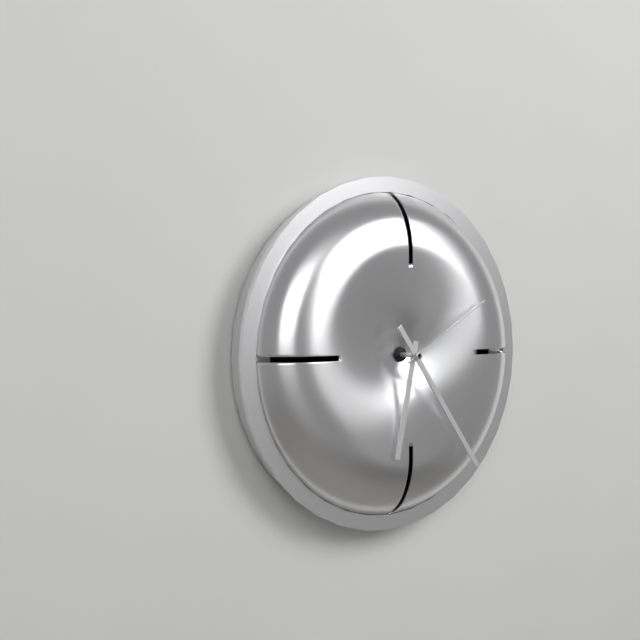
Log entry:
**6:24:10**
